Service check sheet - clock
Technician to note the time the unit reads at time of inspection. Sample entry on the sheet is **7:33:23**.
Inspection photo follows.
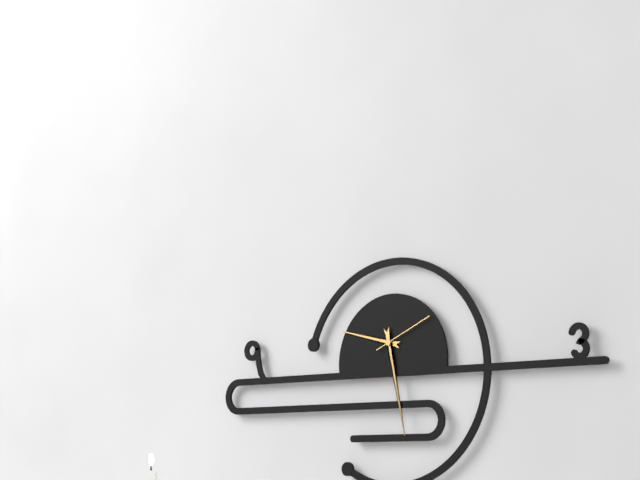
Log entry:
**9:28:11**
